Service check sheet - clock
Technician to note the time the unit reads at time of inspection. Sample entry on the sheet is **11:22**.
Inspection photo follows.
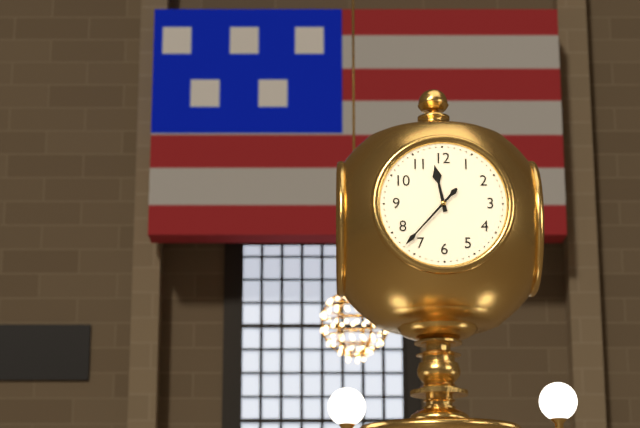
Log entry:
**11:37**
